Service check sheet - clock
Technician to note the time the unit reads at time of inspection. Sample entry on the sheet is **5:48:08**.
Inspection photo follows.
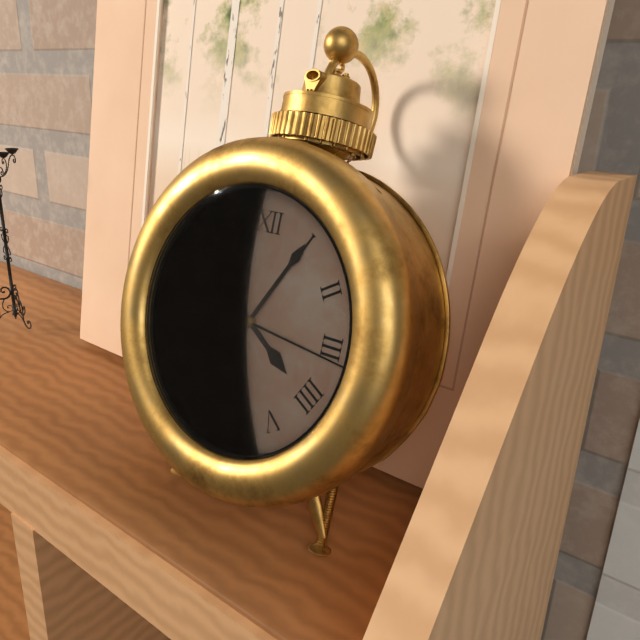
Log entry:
**4:05:16**
